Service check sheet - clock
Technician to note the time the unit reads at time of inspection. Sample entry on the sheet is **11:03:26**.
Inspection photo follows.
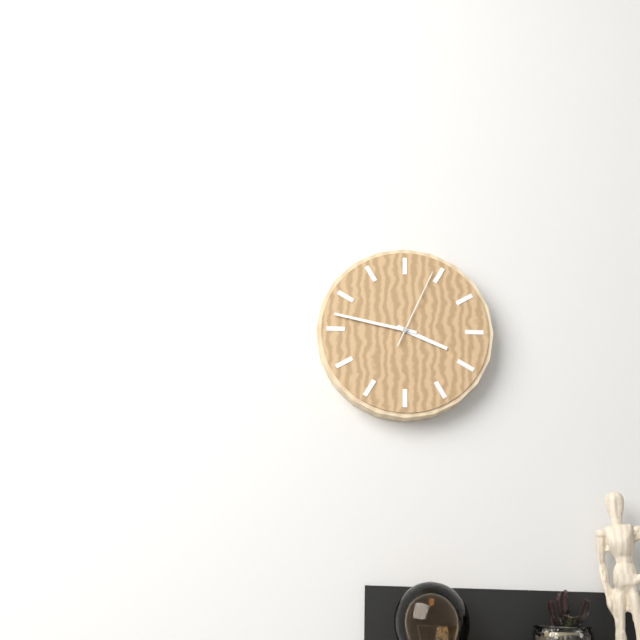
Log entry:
**3:47:04**
